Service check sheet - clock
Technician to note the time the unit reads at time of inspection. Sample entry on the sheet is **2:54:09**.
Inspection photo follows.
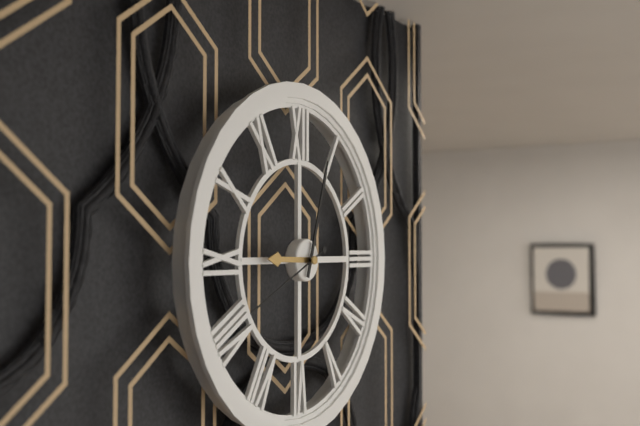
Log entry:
**9:03:41**
